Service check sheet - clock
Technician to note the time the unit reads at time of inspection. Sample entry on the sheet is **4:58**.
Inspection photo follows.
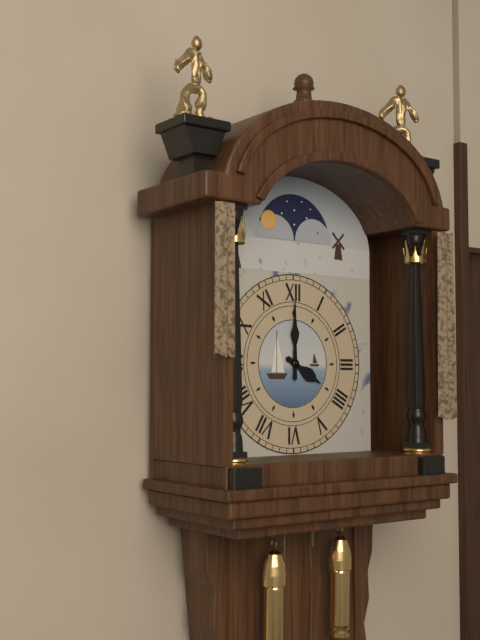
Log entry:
**4:00**
